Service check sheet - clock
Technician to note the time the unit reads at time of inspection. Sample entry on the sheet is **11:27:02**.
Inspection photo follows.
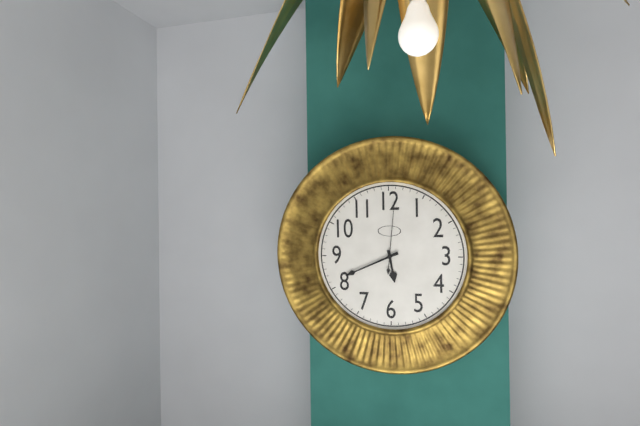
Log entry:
**5:41:01**
